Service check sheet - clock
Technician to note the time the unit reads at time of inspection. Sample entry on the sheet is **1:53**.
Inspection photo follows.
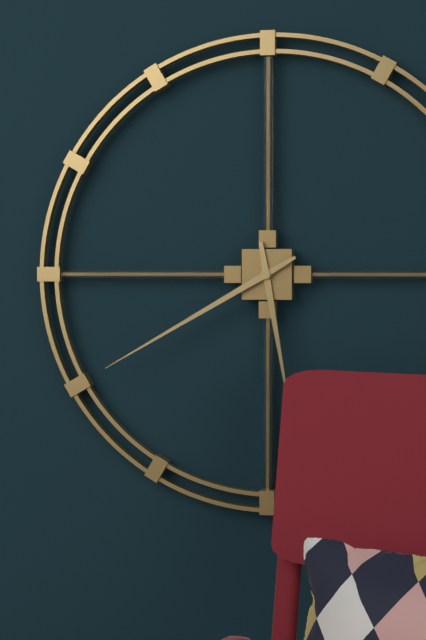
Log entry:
**5:40**
